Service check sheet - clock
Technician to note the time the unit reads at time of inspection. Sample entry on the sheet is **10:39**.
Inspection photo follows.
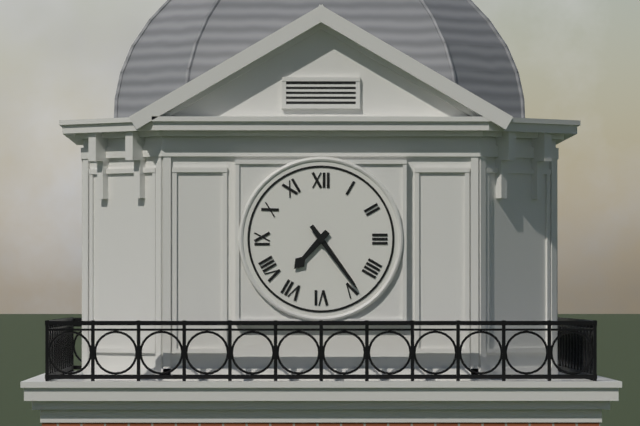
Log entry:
**7:24**
